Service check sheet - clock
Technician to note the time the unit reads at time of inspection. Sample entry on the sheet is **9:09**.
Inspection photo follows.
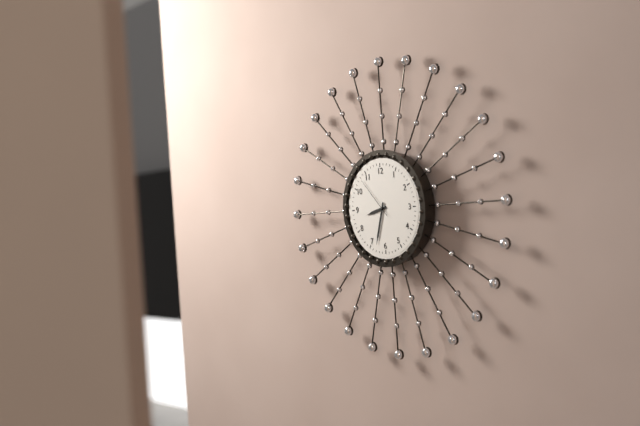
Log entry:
**8:33**
